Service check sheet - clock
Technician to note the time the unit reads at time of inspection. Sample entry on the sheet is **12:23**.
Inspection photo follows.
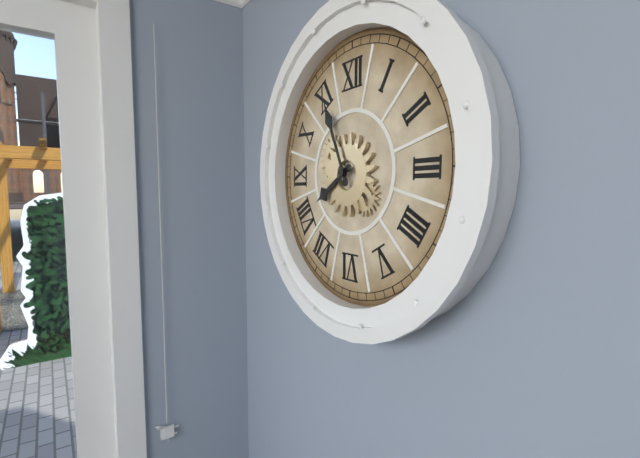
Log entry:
**7:56**
